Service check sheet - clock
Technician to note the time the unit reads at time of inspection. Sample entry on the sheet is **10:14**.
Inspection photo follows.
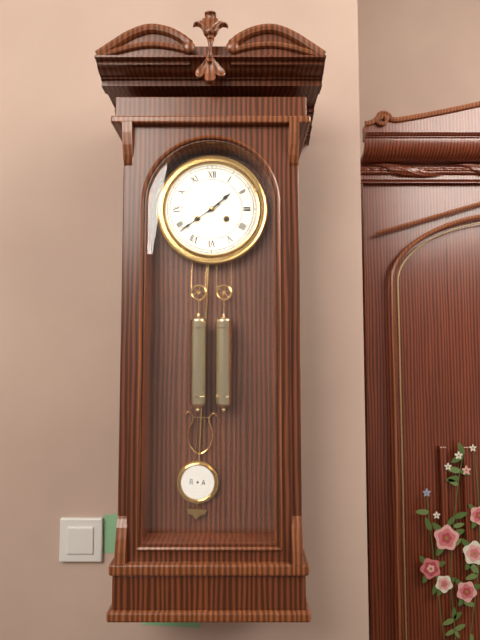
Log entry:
**1:39**
